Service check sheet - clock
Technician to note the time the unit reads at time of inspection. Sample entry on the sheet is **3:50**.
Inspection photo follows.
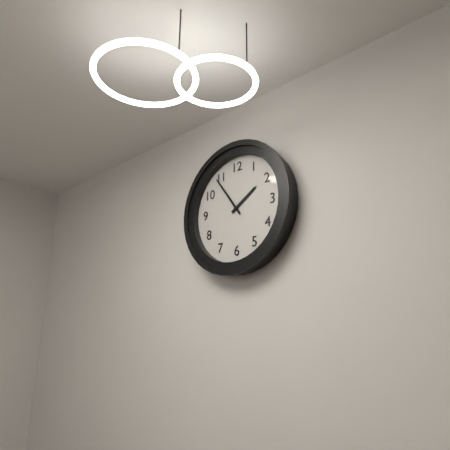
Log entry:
**1:54**
